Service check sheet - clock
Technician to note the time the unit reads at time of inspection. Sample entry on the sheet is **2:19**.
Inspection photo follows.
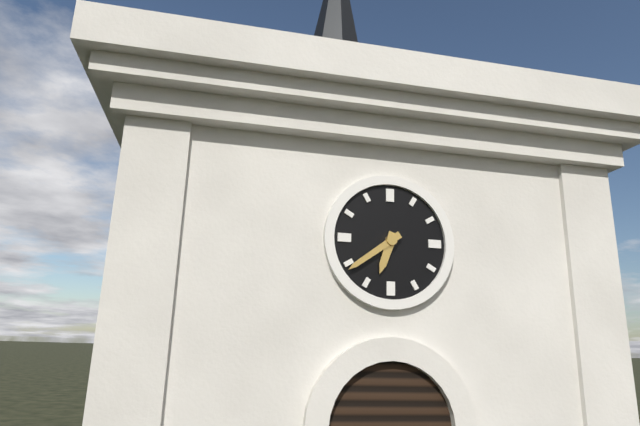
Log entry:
**6:39**
